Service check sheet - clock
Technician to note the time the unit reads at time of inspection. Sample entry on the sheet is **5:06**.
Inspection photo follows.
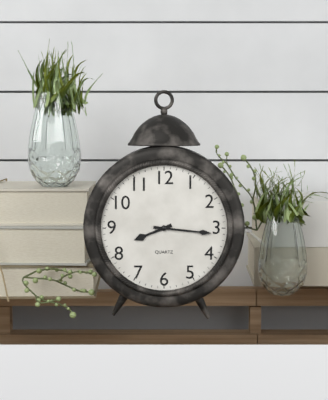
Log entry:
**8:16**
